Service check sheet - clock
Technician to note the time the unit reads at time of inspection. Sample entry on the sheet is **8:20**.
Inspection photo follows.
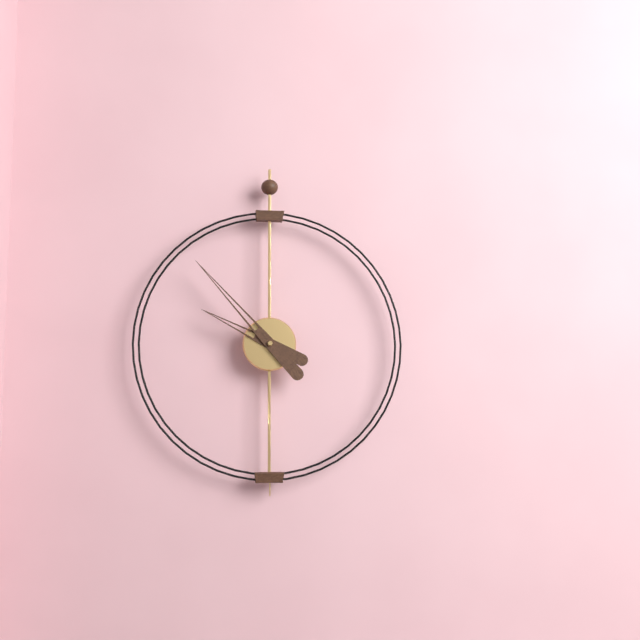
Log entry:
**9:53**
